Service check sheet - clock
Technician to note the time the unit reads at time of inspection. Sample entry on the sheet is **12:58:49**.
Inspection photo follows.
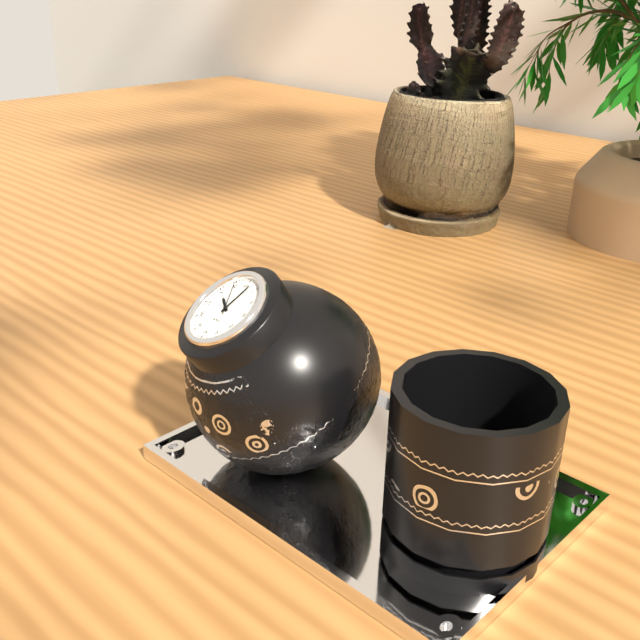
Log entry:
**10:02:55**
